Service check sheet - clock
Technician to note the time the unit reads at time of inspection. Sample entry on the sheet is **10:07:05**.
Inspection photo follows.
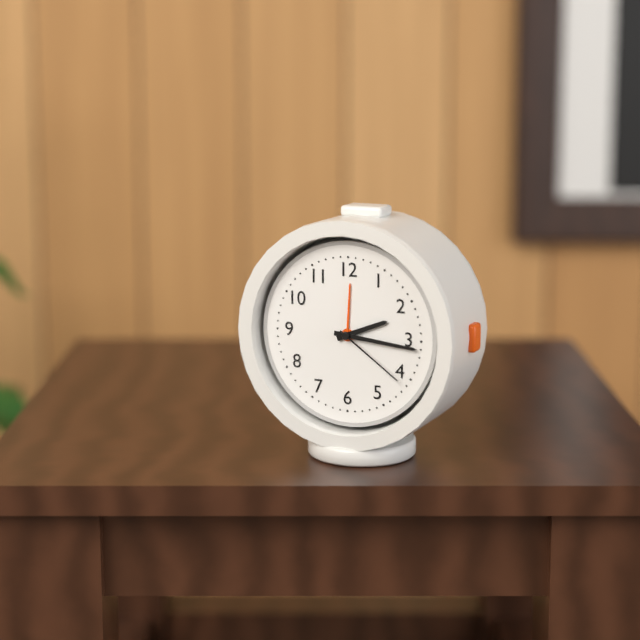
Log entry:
**2:16:21**
